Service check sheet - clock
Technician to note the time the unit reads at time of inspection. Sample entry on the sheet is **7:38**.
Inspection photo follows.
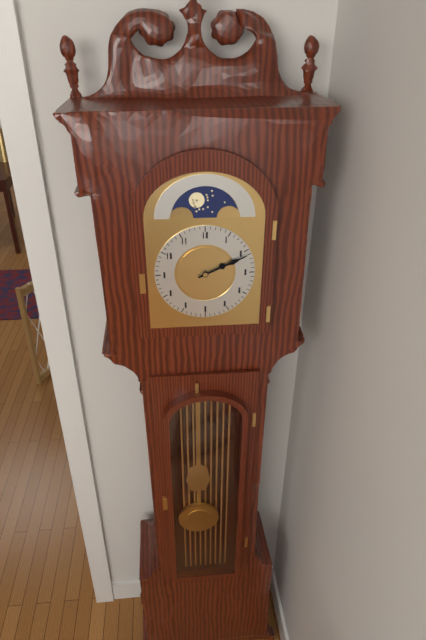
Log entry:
**2:11**
